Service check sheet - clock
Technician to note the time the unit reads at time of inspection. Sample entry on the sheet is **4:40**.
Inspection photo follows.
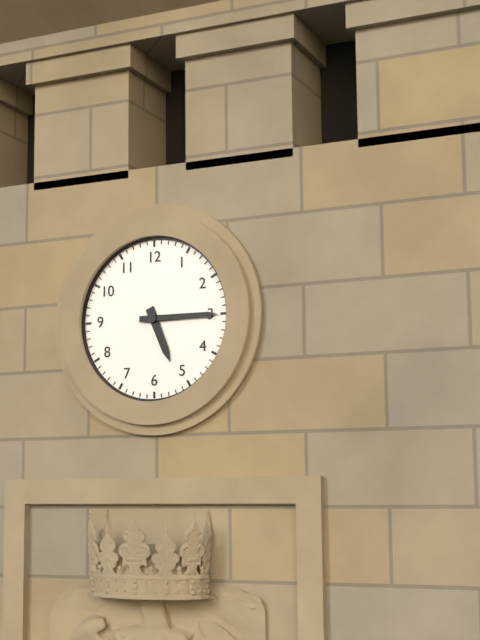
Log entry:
**5:15**
